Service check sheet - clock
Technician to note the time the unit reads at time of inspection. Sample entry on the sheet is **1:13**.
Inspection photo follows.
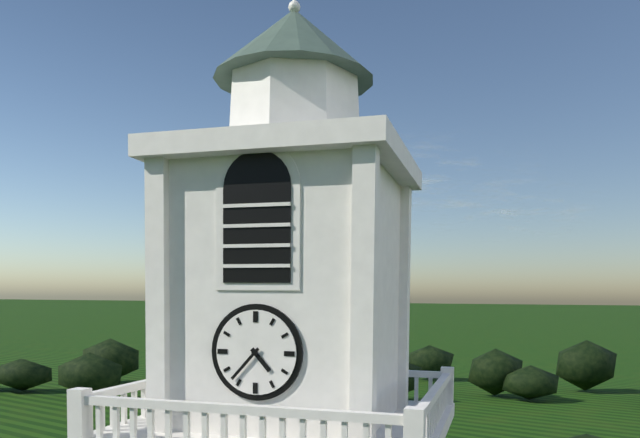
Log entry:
**4:37**
